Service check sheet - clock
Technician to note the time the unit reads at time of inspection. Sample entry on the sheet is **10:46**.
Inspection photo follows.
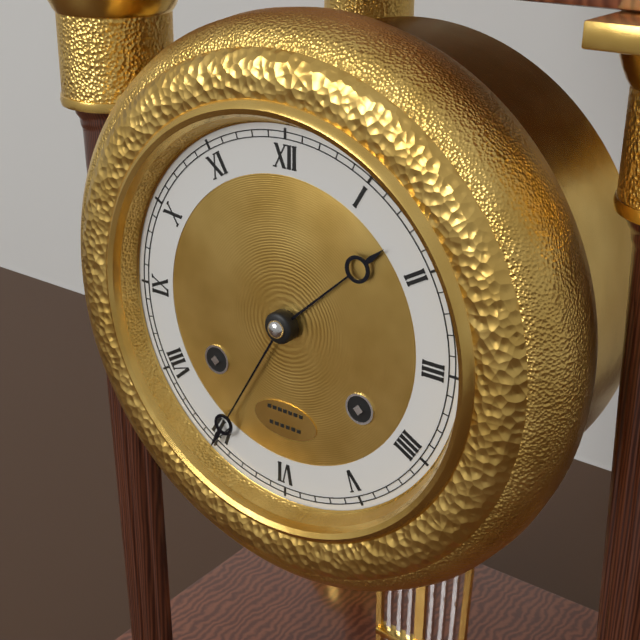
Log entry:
**1:35**
